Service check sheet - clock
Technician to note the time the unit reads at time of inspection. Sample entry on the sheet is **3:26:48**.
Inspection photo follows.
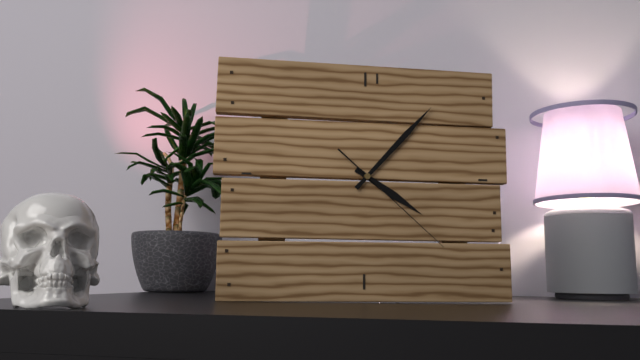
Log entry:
**4:07:22**
